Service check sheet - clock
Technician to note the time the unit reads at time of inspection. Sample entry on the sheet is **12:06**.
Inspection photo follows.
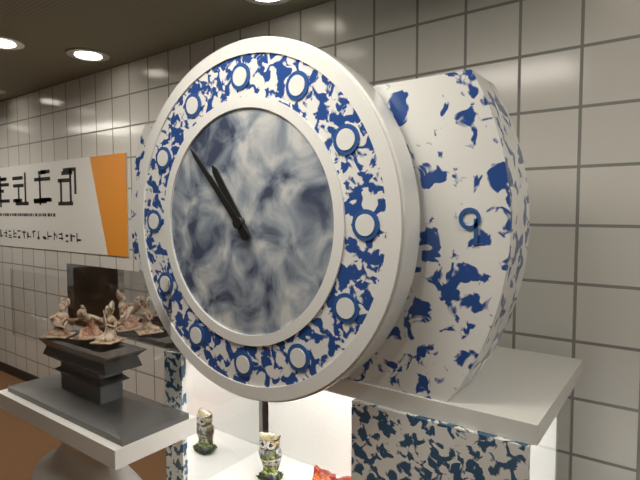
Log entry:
**10:53**
